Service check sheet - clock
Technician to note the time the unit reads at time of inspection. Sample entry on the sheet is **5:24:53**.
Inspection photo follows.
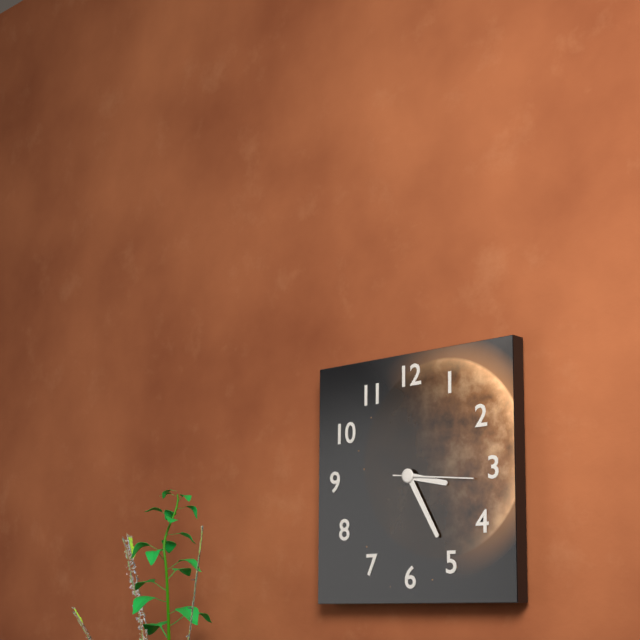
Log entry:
**3:25:16**
